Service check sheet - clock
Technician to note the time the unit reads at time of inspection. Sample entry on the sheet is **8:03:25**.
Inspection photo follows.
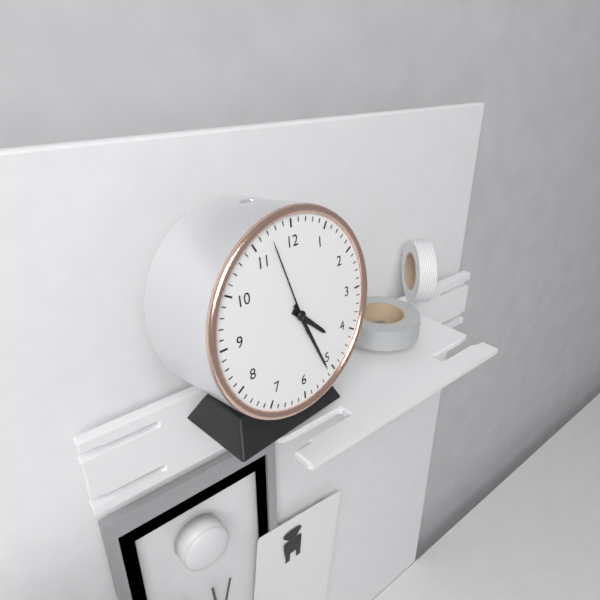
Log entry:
**4:26:57**
